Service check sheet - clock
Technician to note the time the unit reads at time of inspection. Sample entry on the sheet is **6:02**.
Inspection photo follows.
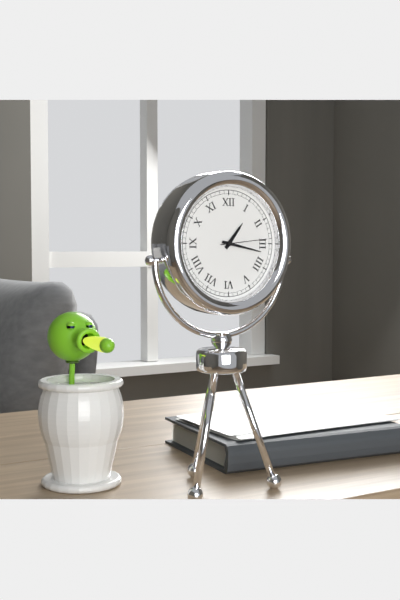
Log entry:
**1:17**
